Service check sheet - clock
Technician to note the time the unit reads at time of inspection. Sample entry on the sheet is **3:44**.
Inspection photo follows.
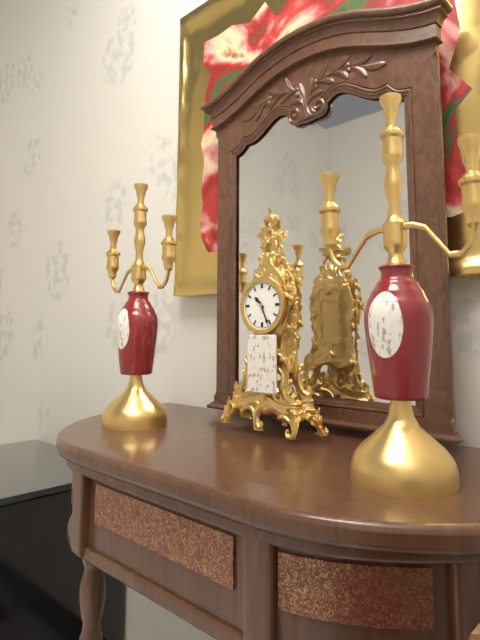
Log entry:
**10:26**
